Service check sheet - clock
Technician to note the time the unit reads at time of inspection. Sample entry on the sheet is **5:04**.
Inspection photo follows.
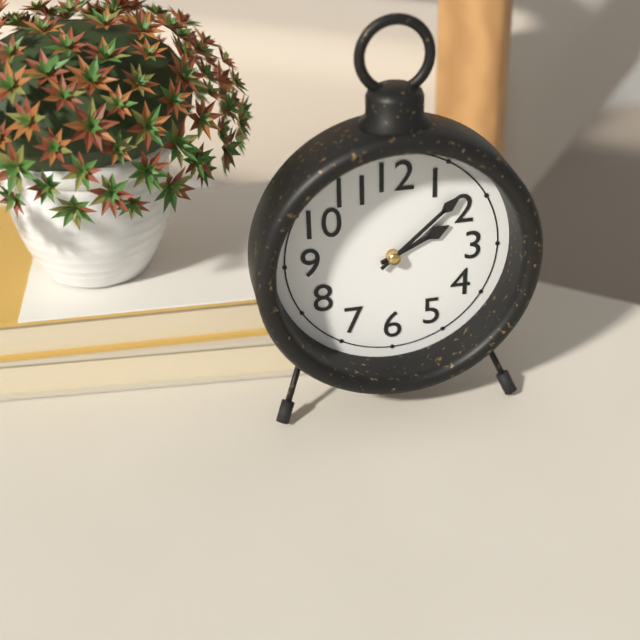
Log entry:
**2:08**
